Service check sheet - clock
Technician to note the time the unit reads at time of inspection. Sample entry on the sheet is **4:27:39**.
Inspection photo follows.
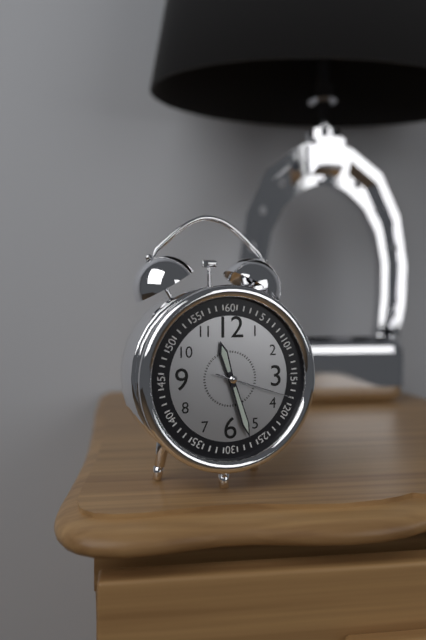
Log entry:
**11:27:18**
